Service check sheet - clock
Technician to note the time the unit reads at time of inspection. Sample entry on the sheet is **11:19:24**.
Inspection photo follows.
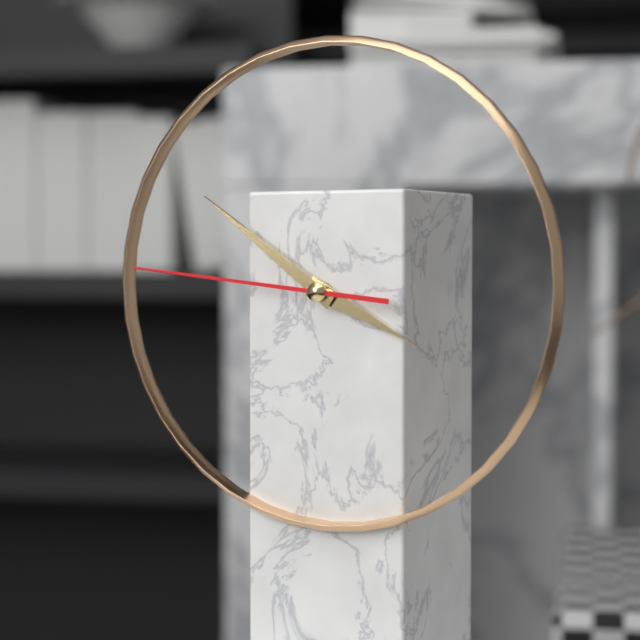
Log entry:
**3:51:46**
